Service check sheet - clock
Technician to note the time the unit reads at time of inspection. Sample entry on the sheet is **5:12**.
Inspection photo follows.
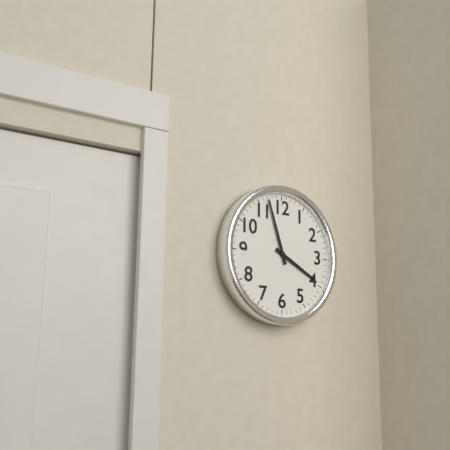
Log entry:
**3:57**
